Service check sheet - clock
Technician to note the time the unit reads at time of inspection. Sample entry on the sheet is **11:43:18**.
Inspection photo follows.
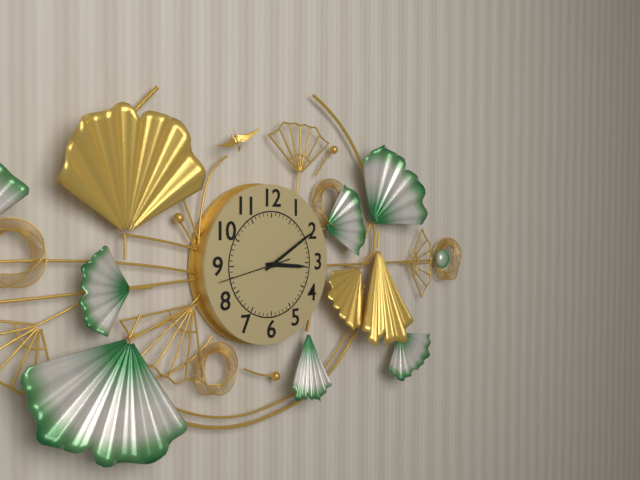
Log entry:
**3:10:43**
